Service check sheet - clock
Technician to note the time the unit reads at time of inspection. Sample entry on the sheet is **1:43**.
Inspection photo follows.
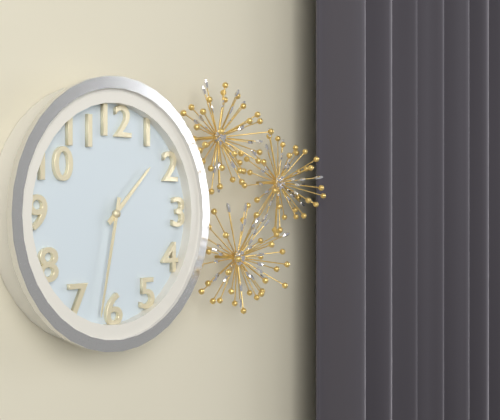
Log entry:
**1:32**
